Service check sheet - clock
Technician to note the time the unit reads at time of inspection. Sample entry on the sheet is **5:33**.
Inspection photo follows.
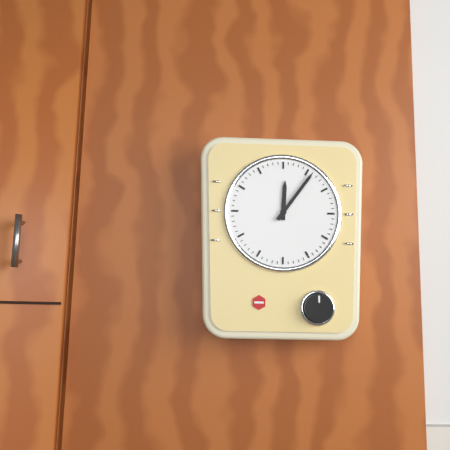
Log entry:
**12:06**
